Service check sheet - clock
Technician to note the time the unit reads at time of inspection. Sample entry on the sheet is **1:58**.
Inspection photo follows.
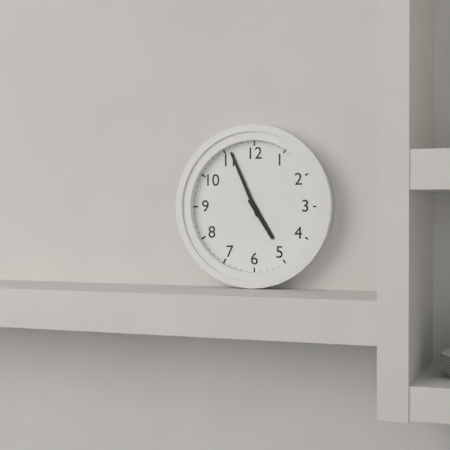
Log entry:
**4:56**
